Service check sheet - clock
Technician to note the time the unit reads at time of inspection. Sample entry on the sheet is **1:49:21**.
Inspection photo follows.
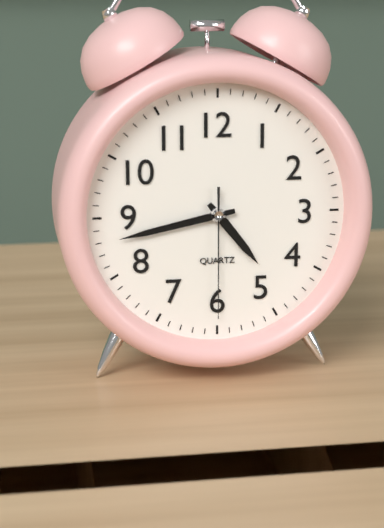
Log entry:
**4:43:30**
